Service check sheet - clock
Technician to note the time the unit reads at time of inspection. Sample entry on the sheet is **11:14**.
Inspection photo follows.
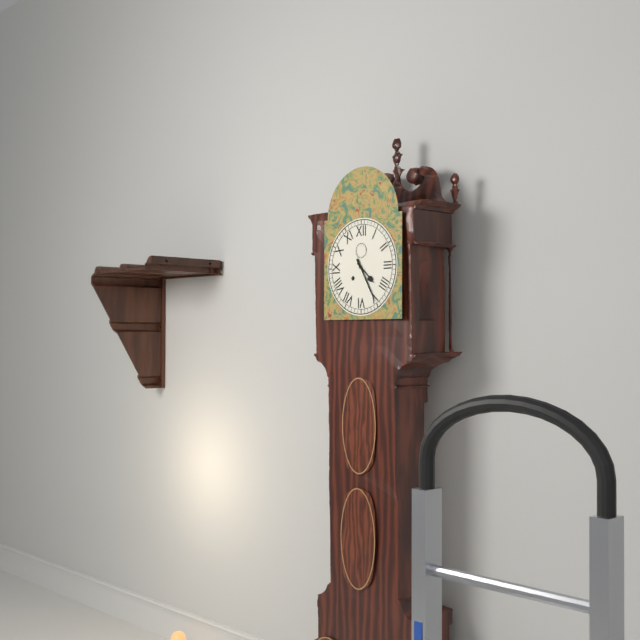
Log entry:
**4:25**
